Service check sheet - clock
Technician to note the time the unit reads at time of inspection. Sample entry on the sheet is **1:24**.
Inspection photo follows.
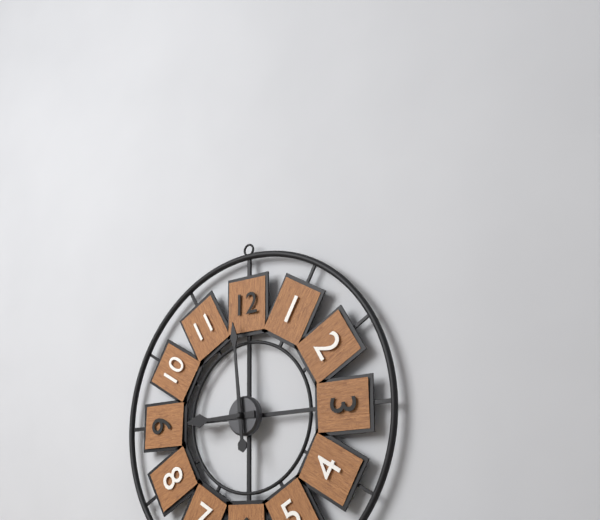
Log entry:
**8:59**
